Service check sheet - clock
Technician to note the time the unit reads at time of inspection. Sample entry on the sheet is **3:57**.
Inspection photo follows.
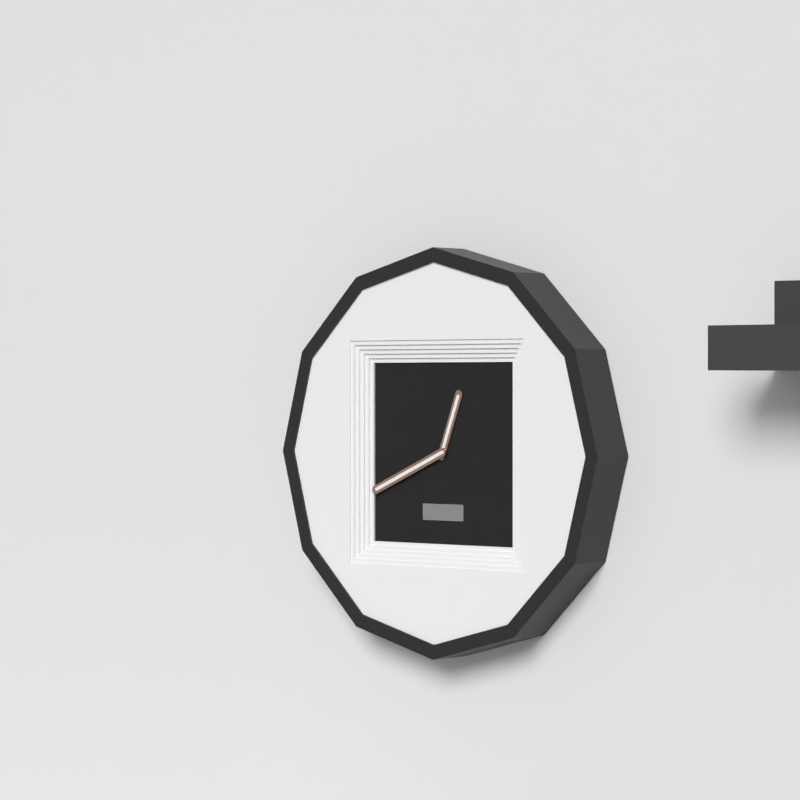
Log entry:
**12:41**
